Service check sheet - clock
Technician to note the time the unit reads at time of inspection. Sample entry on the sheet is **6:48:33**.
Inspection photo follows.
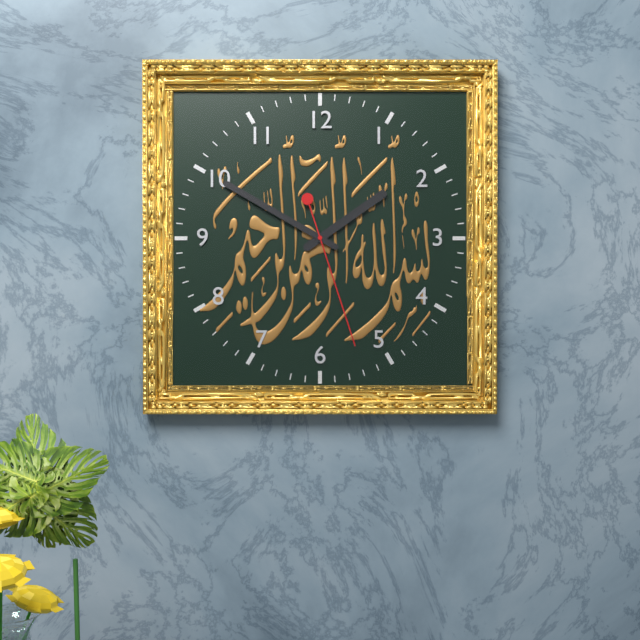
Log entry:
**1:50:27**
